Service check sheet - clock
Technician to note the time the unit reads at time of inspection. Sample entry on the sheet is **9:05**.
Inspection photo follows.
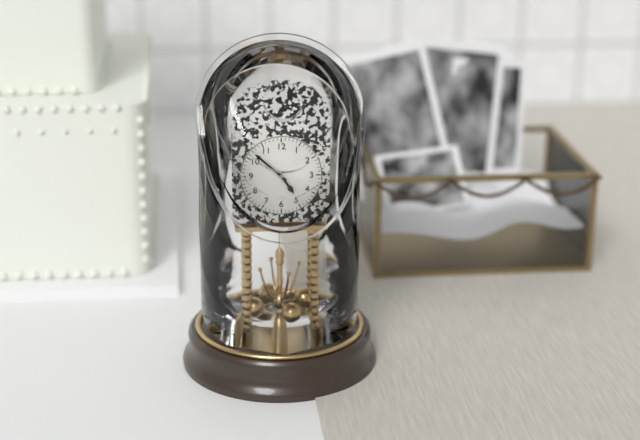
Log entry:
**4:52**
